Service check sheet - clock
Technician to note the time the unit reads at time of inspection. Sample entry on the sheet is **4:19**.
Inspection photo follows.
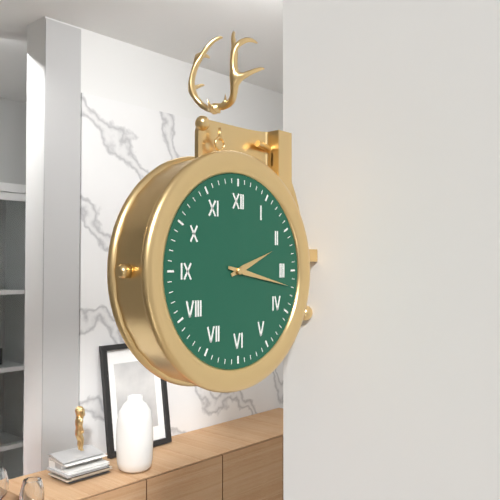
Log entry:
**2:17**
